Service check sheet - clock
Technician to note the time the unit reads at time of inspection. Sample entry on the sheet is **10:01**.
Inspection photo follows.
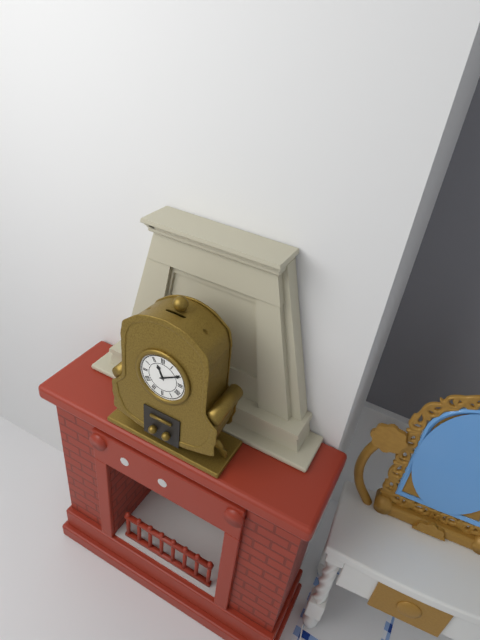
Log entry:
**11:10**
